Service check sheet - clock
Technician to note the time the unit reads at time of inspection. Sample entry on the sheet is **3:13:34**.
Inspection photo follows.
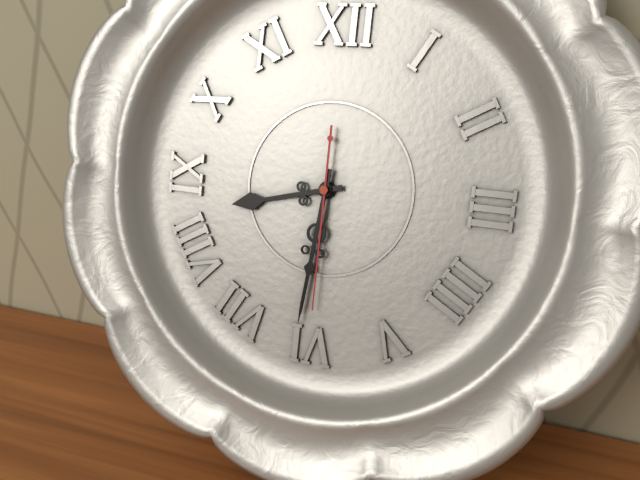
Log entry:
**8:31:30**
